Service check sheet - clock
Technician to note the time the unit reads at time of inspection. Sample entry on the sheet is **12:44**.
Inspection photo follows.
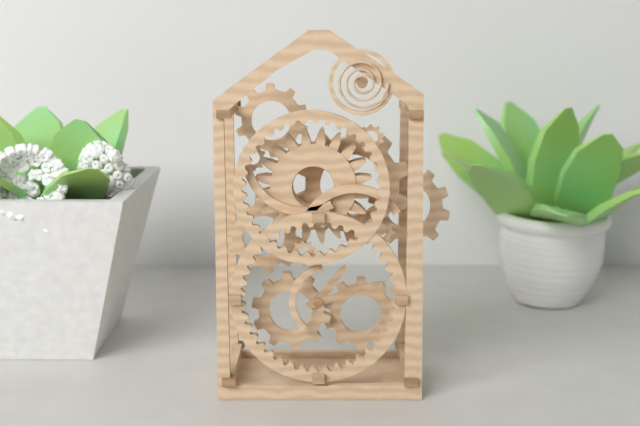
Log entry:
**1:12**
